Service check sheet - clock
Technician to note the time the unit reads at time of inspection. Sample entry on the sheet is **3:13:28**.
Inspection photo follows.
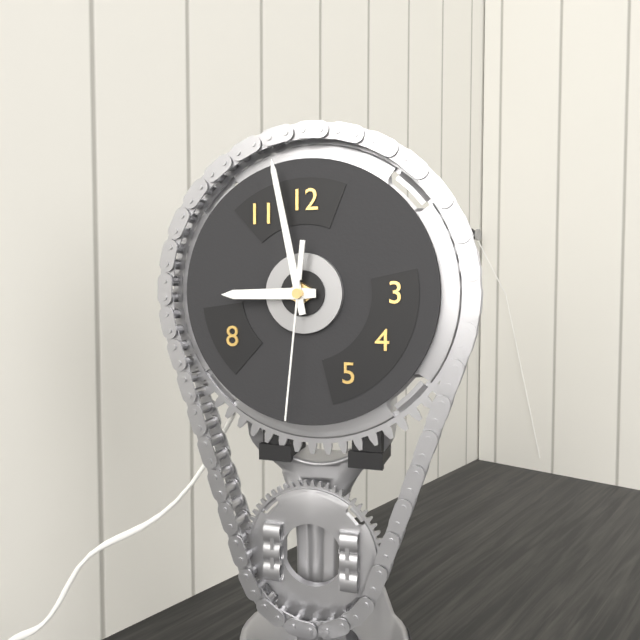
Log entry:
**8:58:31**
